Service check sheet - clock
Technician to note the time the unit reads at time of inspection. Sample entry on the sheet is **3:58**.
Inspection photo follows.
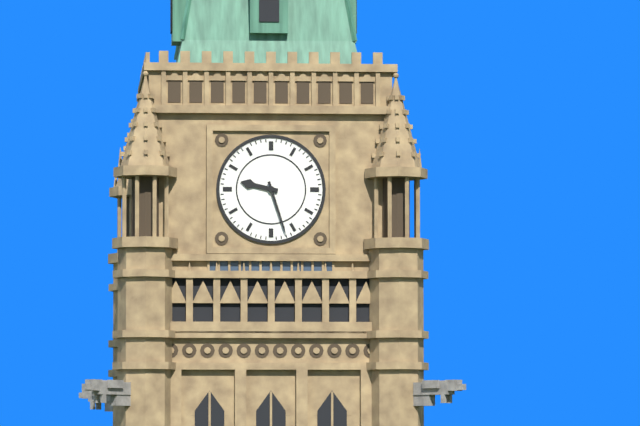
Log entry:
**9:27**
